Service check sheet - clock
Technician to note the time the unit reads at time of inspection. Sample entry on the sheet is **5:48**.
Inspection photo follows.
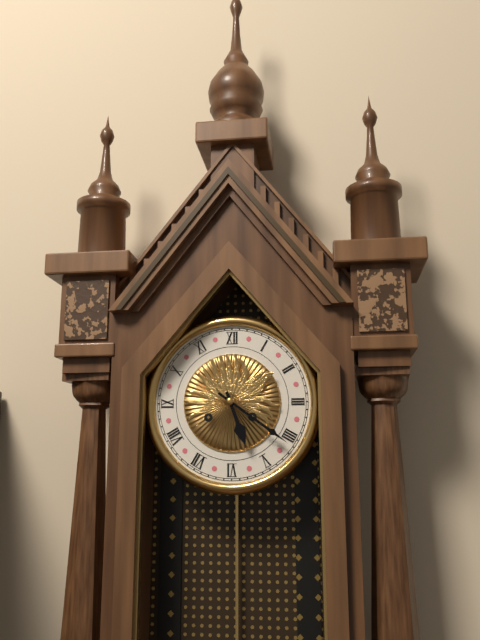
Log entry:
**5:21**
